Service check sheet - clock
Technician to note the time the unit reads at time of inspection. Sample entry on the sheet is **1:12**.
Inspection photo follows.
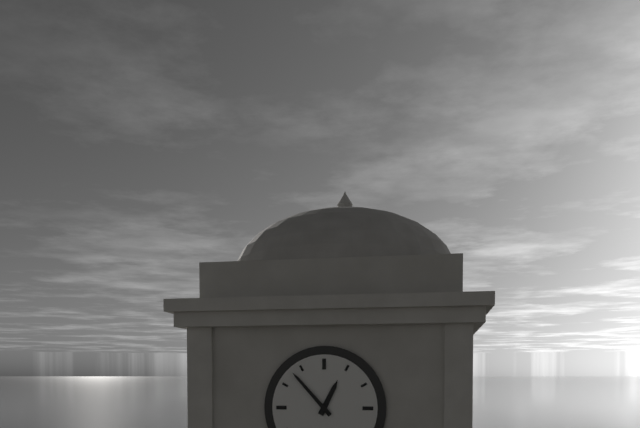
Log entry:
**12:53**
